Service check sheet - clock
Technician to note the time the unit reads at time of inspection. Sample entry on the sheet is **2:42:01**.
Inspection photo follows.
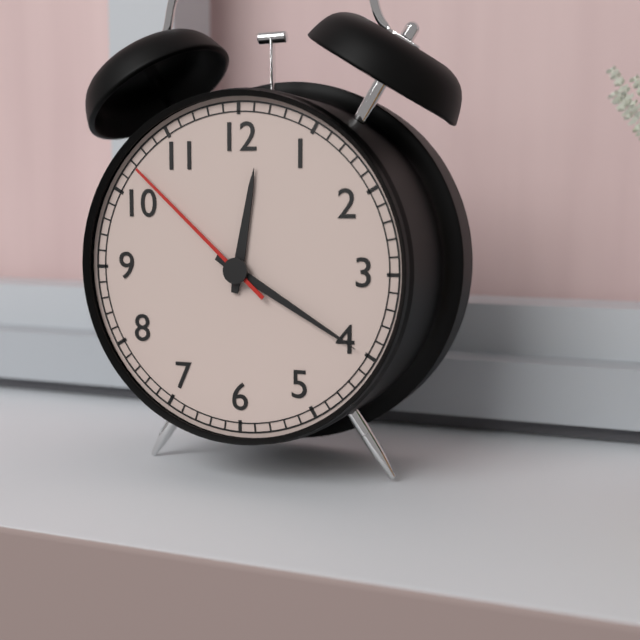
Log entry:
**12:20:52**
